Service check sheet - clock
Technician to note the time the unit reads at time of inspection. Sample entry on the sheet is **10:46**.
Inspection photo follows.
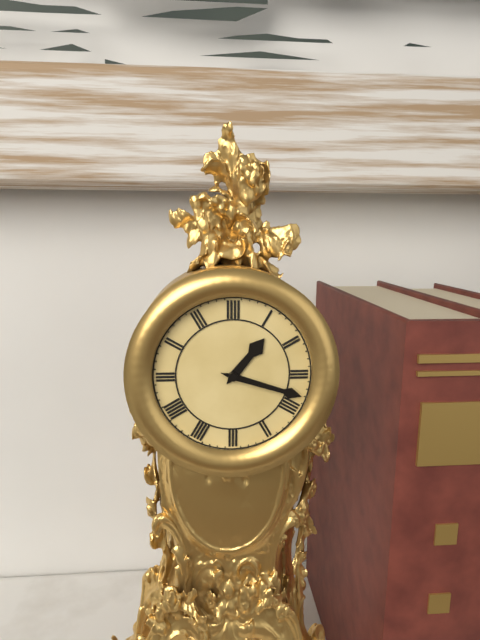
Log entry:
**1:18**
